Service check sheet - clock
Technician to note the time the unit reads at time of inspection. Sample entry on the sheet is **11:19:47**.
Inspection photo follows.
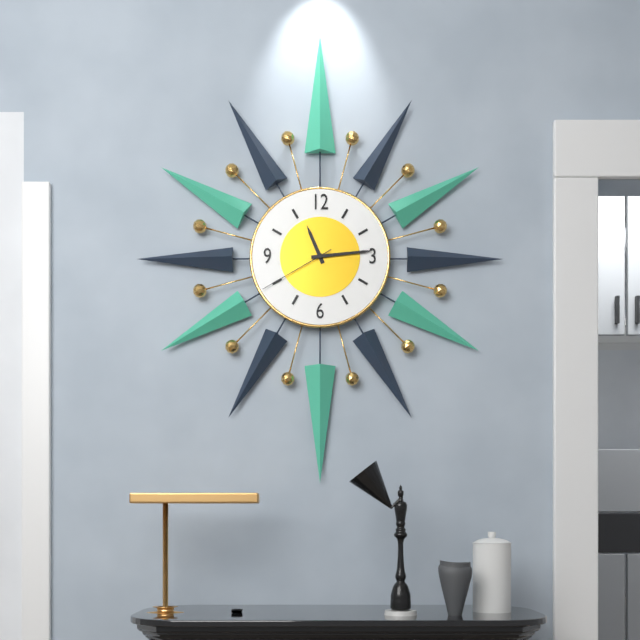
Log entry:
**11:14:40**
